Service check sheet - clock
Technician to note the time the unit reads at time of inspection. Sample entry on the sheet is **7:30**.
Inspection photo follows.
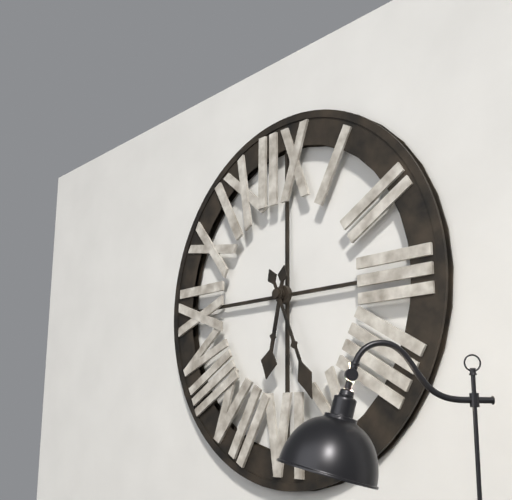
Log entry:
**6:26**
